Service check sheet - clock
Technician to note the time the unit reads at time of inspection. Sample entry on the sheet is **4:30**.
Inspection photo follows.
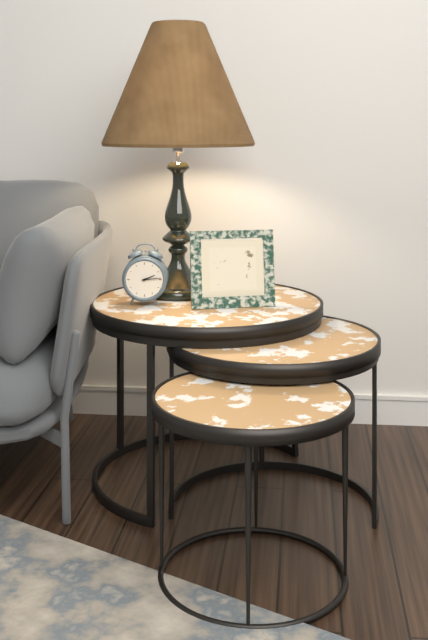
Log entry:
**2:14**
